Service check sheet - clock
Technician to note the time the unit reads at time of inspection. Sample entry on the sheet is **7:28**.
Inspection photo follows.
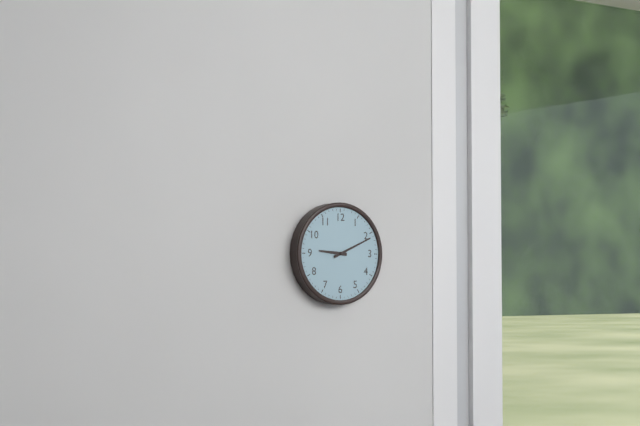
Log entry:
**9:11**
